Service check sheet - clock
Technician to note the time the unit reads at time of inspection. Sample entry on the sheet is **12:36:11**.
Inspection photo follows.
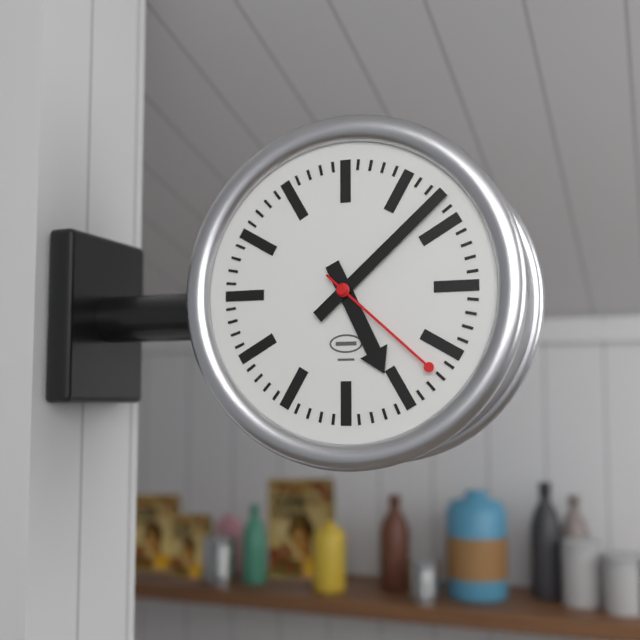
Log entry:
**5:08:22**
